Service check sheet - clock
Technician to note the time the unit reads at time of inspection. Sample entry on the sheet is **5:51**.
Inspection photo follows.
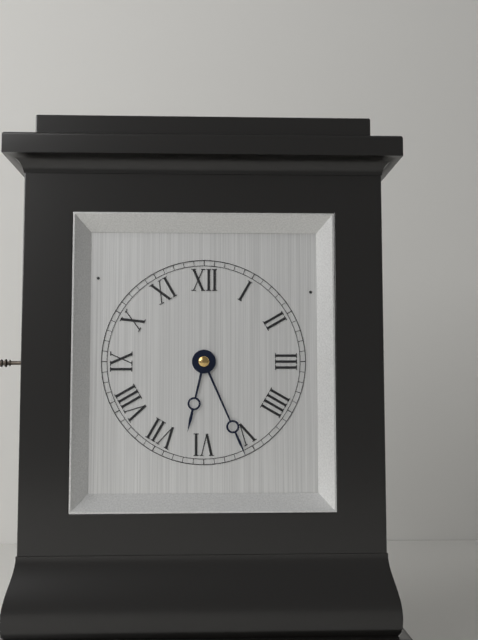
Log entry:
**6:26**
